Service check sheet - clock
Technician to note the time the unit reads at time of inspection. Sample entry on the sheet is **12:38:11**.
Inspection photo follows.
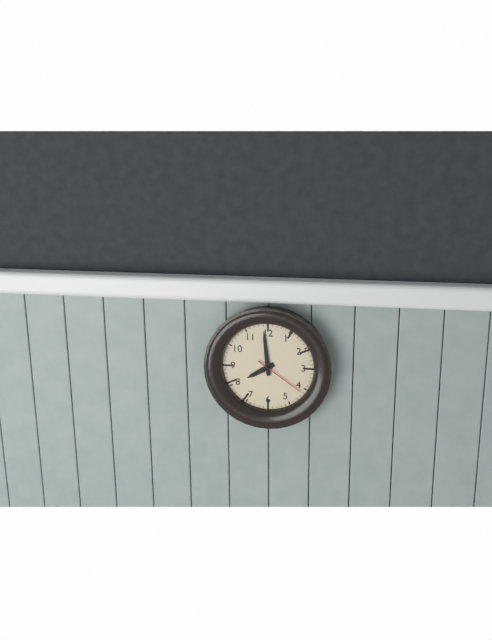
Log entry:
**7:59:21**
